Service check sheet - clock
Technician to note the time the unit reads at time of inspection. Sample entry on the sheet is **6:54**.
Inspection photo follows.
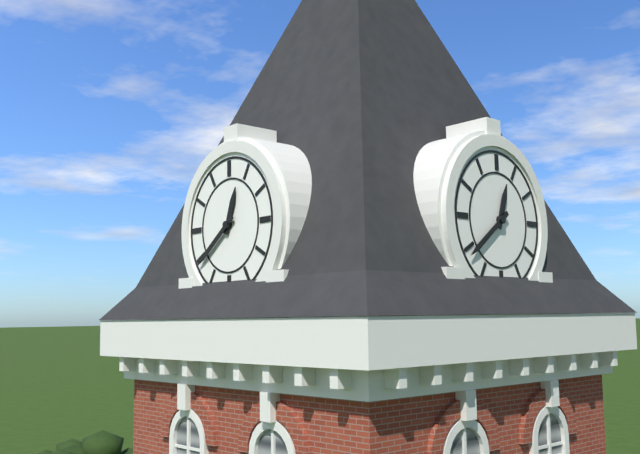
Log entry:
**12:39**
